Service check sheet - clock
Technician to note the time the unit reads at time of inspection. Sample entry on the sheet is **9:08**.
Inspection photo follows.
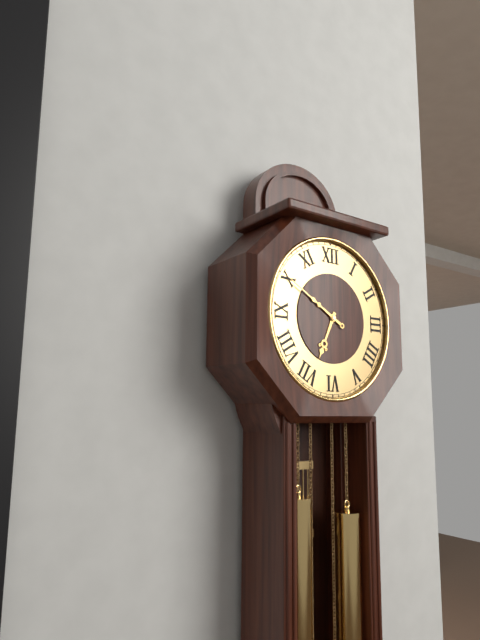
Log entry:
**6:50**
